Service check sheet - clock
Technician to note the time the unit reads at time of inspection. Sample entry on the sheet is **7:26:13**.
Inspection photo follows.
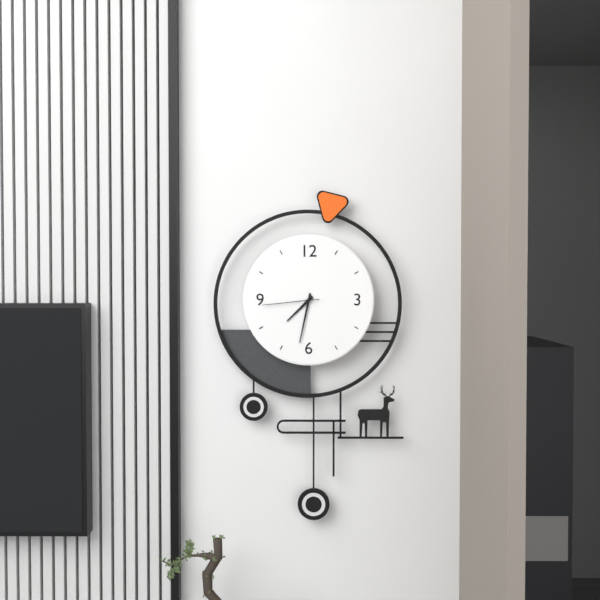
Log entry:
**7:32:44**
